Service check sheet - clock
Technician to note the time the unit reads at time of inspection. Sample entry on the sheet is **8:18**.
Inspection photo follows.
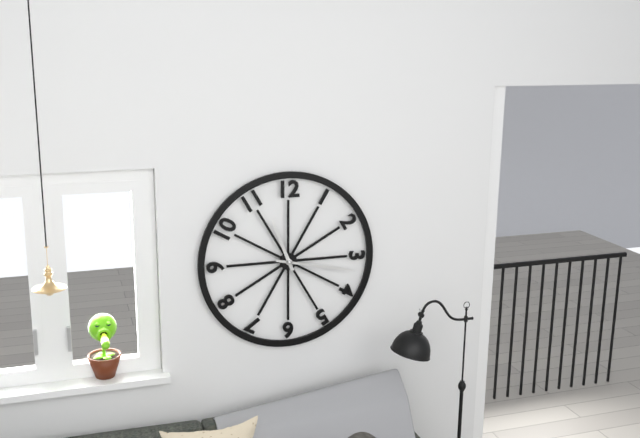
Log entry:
**11:17**
